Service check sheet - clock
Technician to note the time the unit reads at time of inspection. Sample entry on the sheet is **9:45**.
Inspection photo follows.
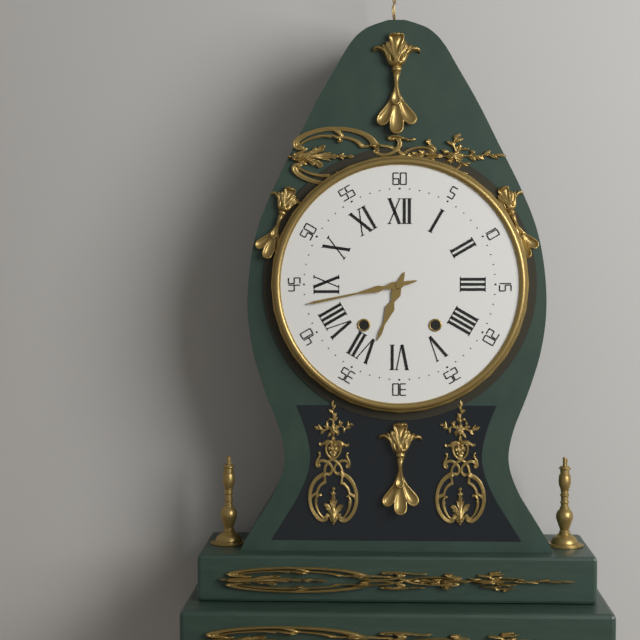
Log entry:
**6:43**
